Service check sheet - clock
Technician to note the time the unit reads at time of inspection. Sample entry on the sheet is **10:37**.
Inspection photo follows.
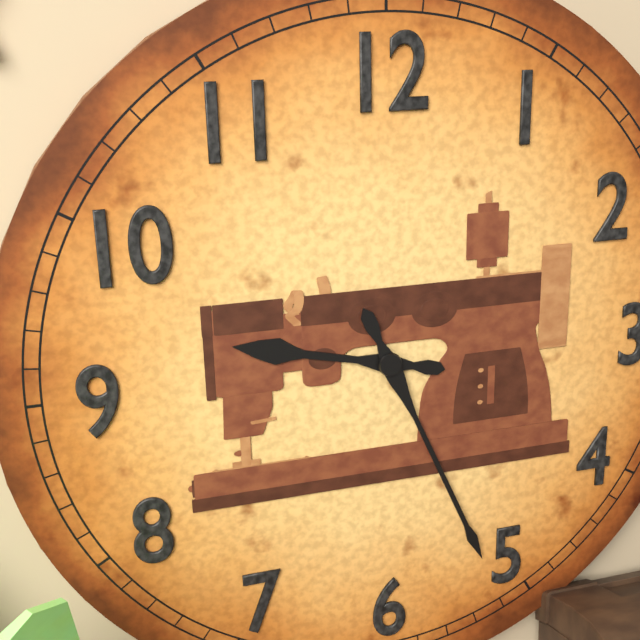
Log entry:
**9:26**
